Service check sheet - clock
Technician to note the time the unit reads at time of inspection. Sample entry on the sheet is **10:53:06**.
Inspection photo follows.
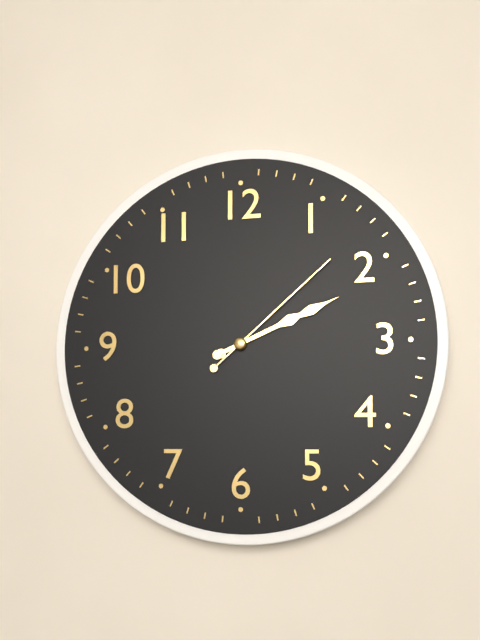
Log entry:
**2:11:08**
